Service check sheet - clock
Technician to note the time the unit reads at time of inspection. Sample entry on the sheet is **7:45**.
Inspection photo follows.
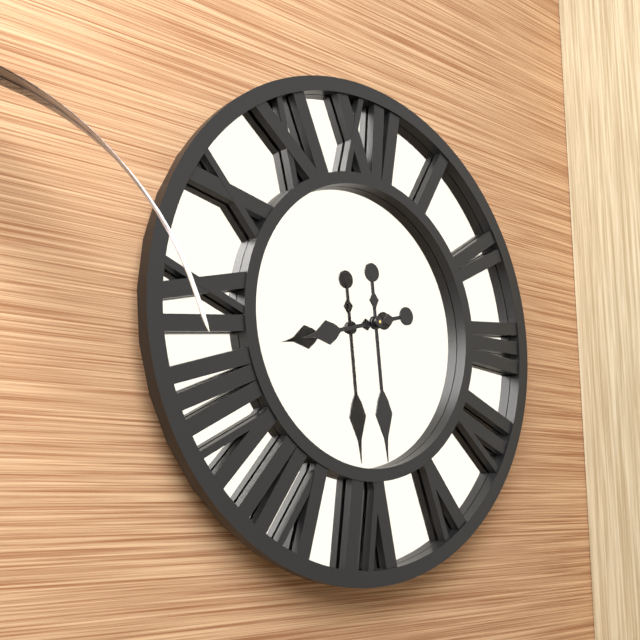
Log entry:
**8:29**
